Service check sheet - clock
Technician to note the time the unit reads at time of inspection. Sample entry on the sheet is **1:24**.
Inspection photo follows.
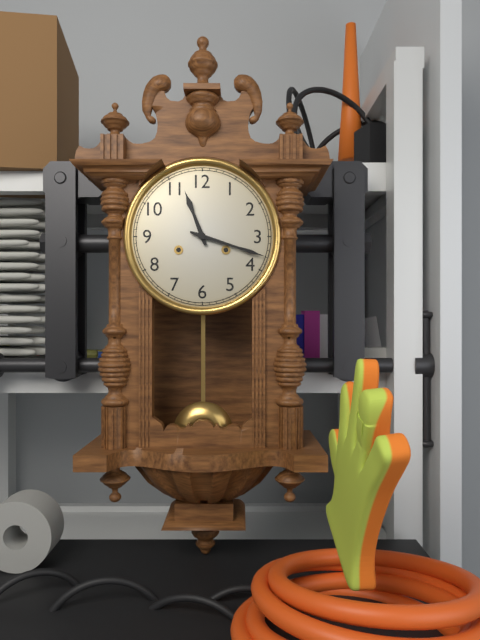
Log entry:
**11:18**
